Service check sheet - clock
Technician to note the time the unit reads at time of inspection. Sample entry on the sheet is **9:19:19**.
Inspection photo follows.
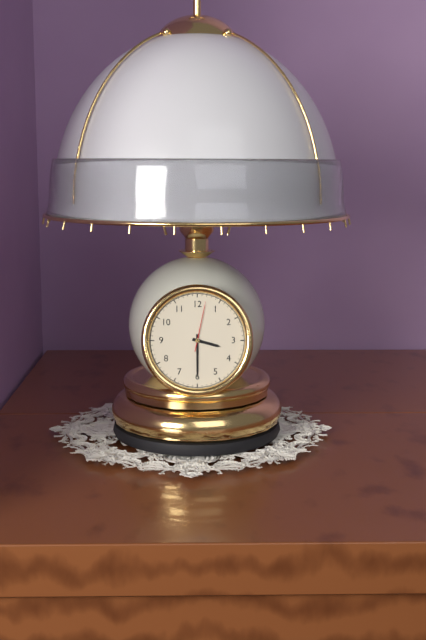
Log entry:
**3:30:02**
